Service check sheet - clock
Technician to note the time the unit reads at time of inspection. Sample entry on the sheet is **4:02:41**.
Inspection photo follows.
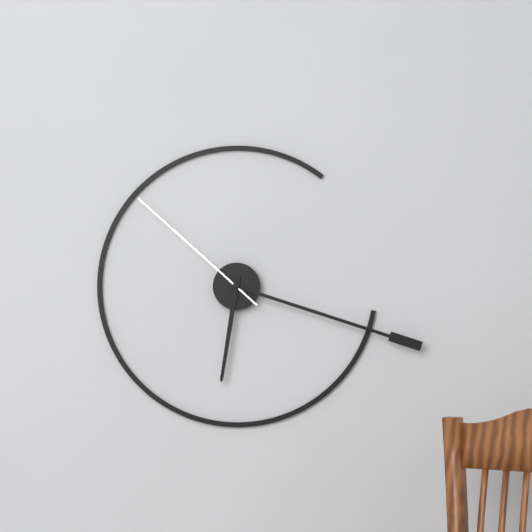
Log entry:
**6:18:52**
